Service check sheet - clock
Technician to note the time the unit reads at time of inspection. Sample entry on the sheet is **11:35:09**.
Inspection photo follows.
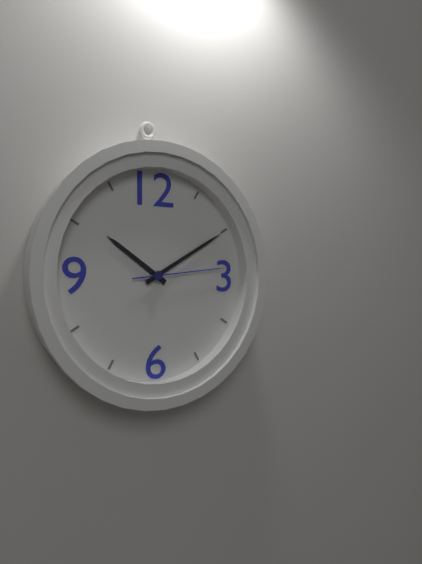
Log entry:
**10:10:14**
